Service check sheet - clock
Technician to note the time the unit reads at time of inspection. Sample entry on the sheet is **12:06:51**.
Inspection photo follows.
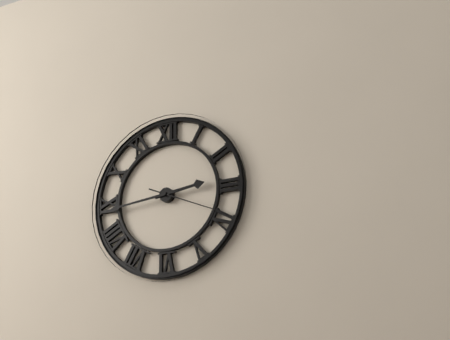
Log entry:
**2:44:19**
